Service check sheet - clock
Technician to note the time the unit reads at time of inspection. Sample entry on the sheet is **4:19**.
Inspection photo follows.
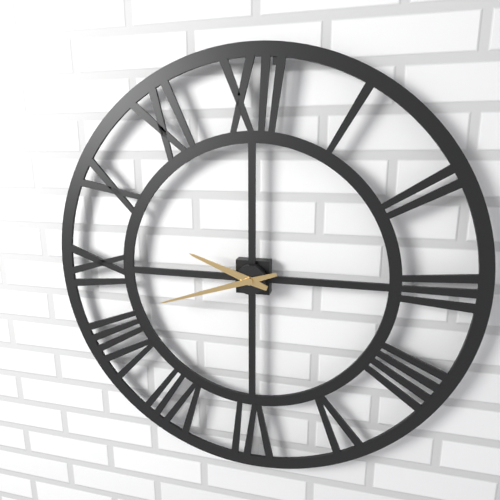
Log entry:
**9:42**
